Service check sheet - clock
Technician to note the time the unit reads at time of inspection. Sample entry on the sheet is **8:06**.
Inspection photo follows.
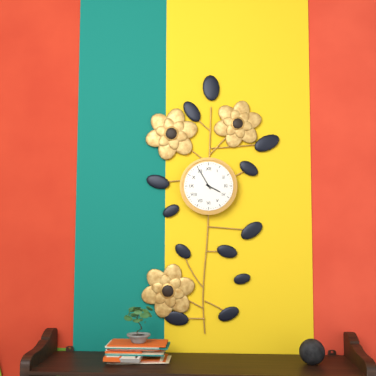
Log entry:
**3:55**
